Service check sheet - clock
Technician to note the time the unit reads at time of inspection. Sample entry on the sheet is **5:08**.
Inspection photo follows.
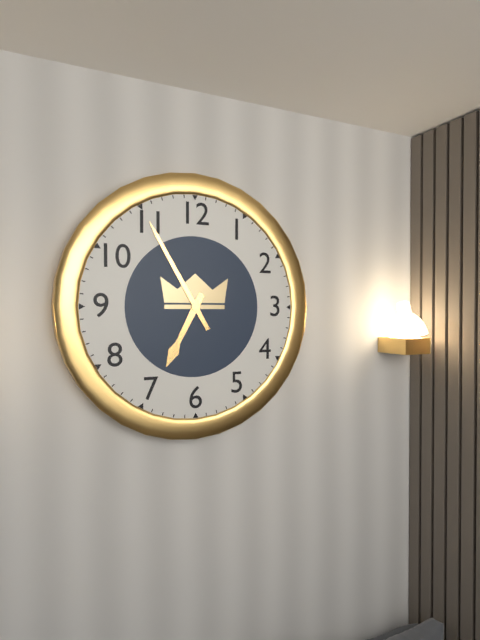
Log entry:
**6:55**
